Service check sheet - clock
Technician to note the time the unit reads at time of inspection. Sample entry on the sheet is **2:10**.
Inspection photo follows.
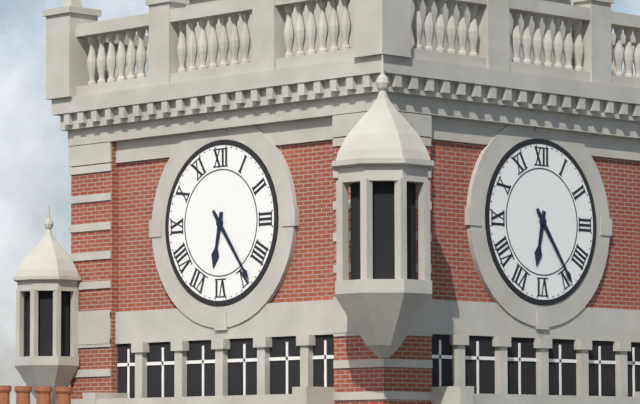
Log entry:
**6:24**
